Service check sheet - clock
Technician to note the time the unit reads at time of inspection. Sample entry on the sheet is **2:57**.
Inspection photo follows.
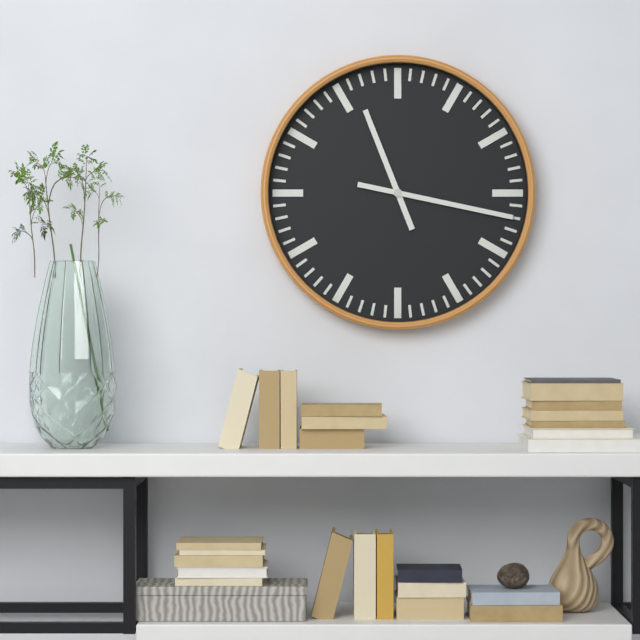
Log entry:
**11:17**
